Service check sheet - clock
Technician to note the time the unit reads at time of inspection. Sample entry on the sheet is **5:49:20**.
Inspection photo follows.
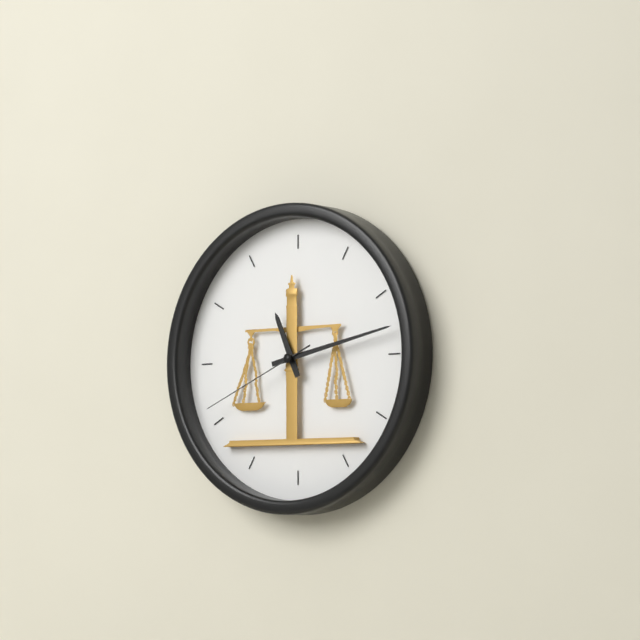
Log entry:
**11:13:41**
